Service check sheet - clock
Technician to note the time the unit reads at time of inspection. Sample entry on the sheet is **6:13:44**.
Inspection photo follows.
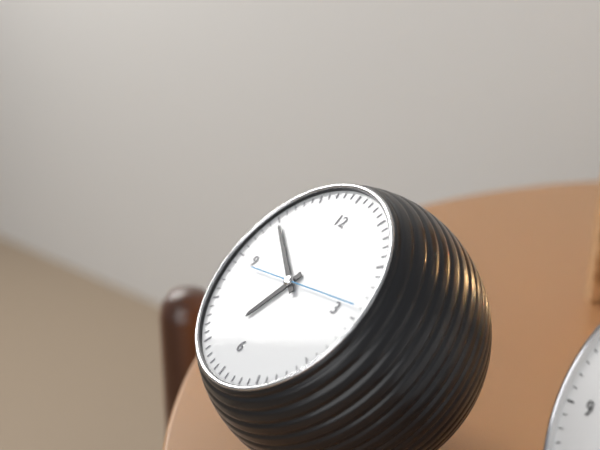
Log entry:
**6:50:14**
